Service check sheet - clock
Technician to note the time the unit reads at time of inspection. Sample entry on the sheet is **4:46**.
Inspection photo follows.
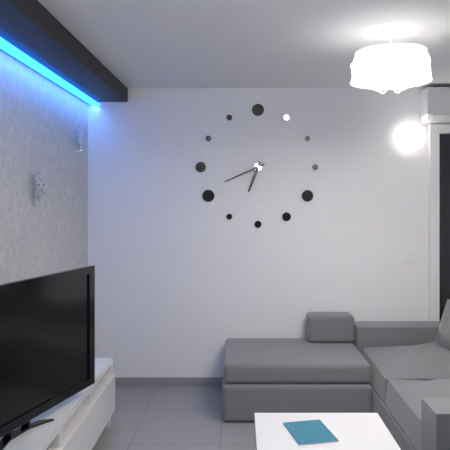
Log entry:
**6:41**
